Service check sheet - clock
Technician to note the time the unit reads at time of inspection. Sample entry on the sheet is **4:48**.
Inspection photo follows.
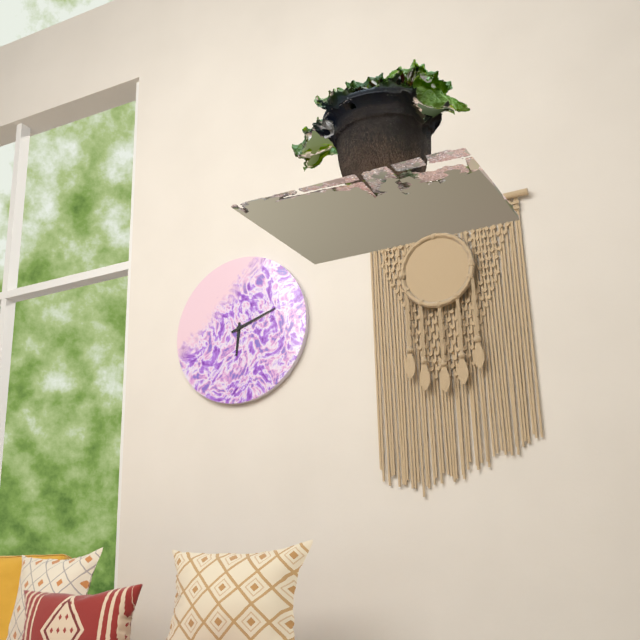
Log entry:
**6:12**
